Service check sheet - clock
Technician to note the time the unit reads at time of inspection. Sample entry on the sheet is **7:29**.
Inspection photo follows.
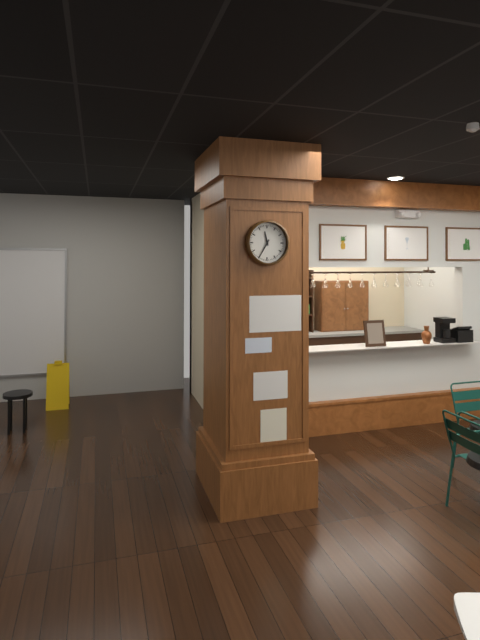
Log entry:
**11:35**
